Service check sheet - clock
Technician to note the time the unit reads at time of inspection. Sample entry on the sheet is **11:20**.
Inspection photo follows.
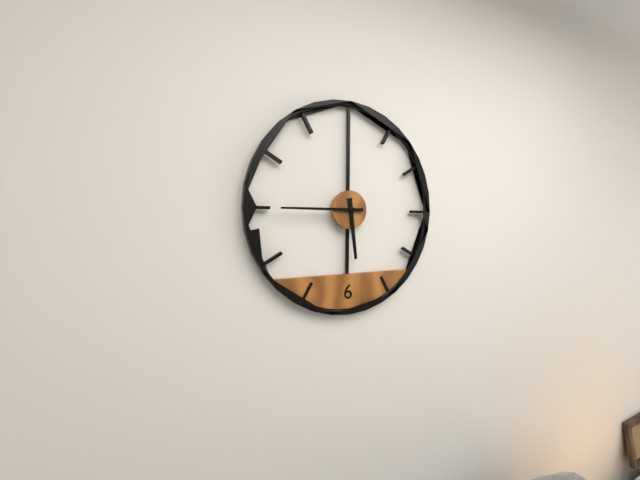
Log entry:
**5:45**
